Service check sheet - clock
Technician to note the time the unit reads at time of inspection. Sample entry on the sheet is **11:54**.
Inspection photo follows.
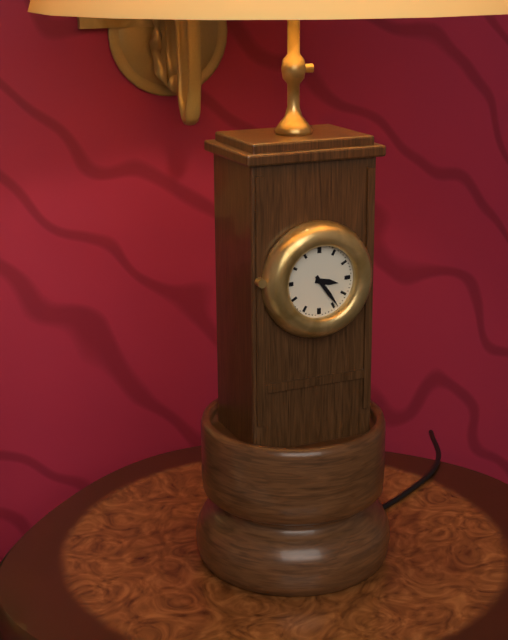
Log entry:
**3:24**
